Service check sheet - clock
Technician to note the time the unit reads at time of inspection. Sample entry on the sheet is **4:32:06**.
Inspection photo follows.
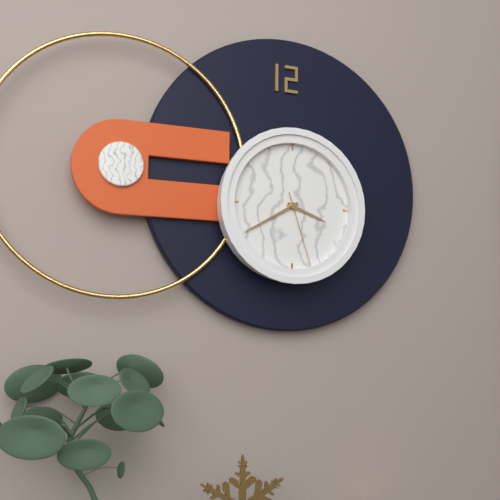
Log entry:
**3:40:27**
